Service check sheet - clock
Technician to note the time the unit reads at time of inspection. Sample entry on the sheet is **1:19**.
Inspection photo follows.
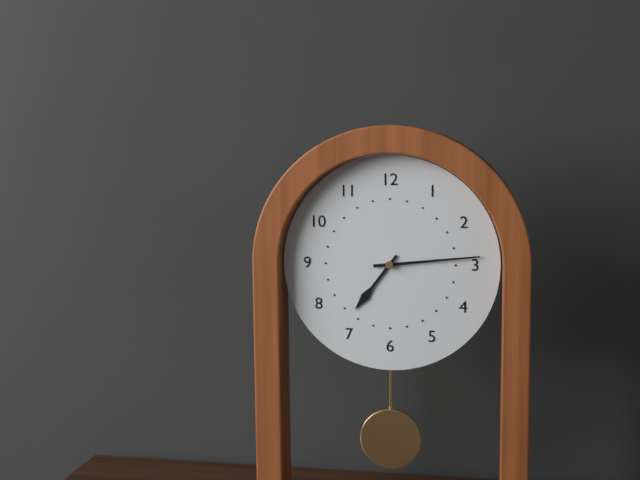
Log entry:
**7:14**
